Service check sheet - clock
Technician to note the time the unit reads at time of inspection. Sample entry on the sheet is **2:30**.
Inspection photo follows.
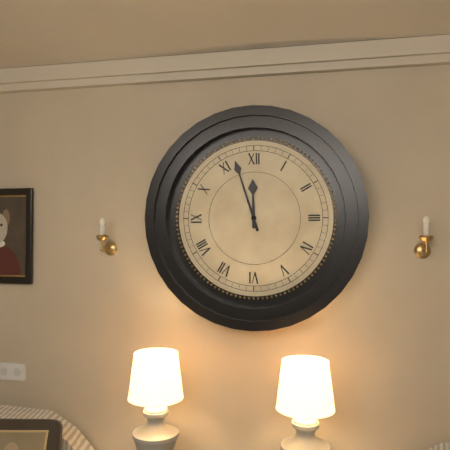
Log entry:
**11:57**
